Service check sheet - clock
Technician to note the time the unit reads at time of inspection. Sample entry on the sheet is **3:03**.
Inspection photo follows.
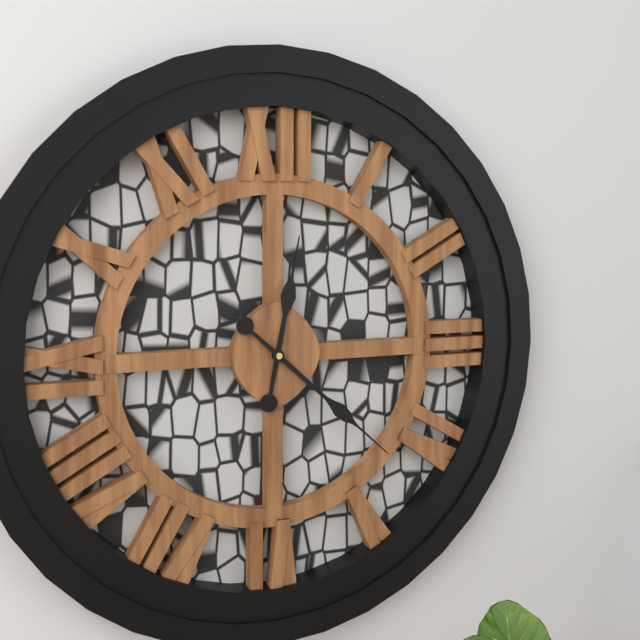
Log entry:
**12:22**
